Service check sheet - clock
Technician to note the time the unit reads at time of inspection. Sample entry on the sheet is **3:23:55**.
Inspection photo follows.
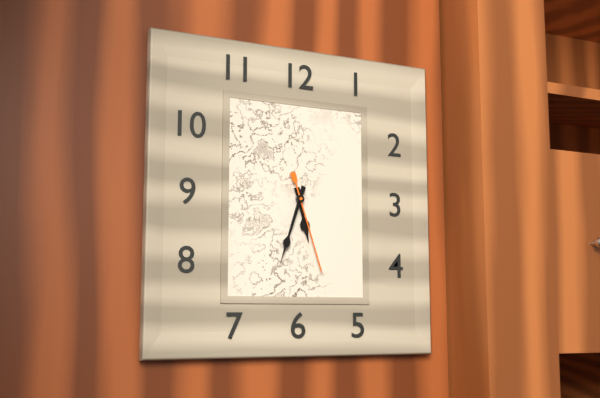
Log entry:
**5:33:27**
